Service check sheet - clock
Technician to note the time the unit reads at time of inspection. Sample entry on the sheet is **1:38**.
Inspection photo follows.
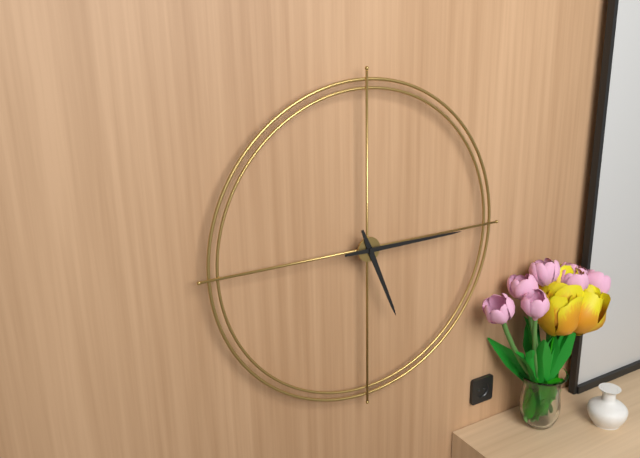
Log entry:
**5:15**
